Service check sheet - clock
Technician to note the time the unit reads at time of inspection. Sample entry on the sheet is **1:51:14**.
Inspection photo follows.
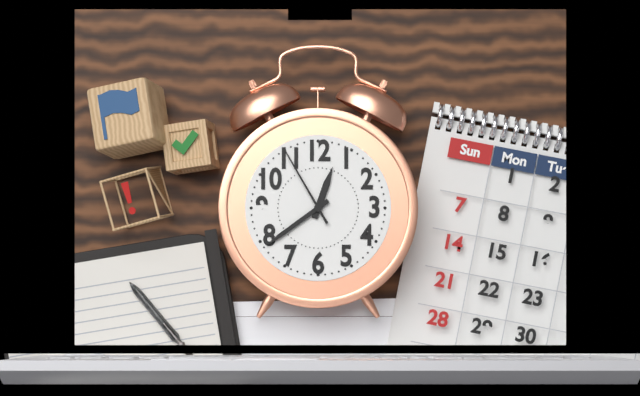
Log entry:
**12:39:55**
